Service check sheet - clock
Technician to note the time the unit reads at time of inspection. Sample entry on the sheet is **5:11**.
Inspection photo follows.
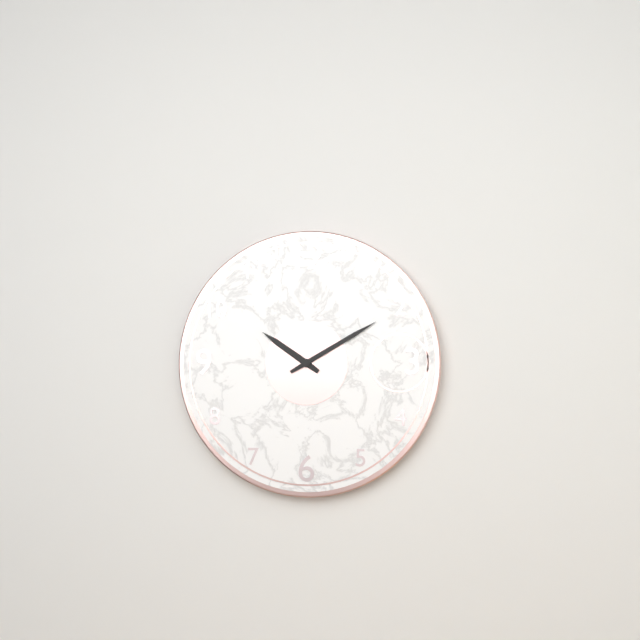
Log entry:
**10:10**
